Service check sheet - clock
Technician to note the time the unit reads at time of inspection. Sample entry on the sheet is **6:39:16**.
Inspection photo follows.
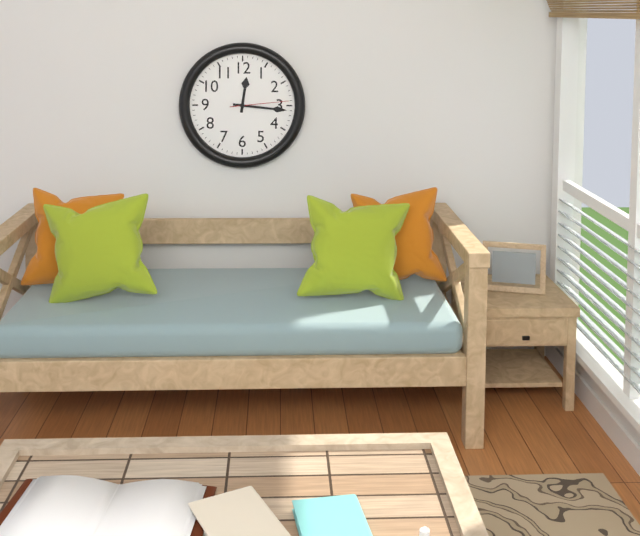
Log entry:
**12:16:14**
